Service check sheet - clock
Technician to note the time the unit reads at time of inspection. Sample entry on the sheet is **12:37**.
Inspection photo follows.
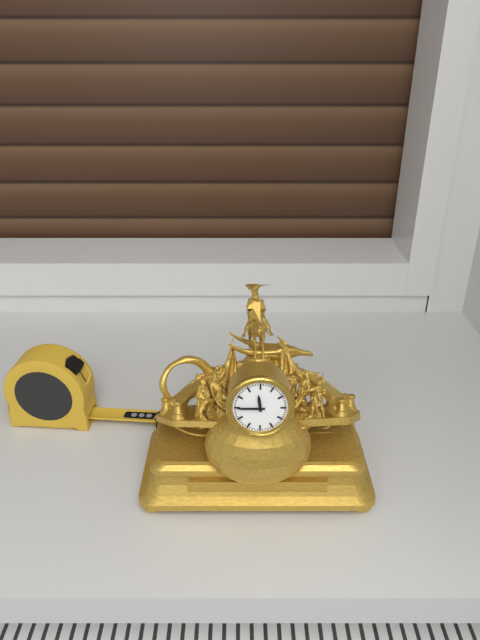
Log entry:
**11:45**
